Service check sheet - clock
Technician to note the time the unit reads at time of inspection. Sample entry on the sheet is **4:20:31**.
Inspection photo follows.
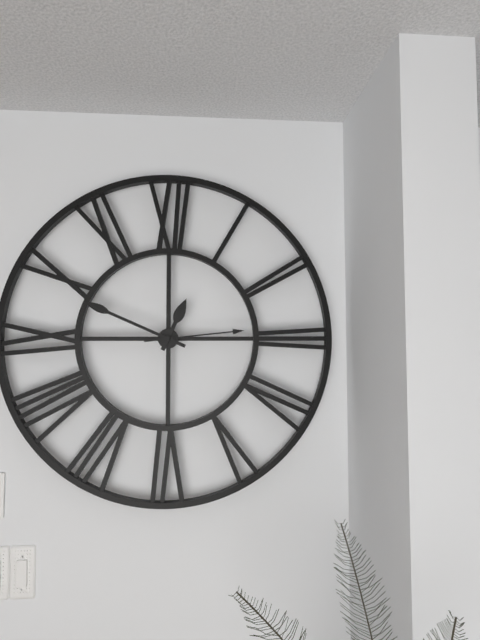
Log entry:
**12:49:14**
